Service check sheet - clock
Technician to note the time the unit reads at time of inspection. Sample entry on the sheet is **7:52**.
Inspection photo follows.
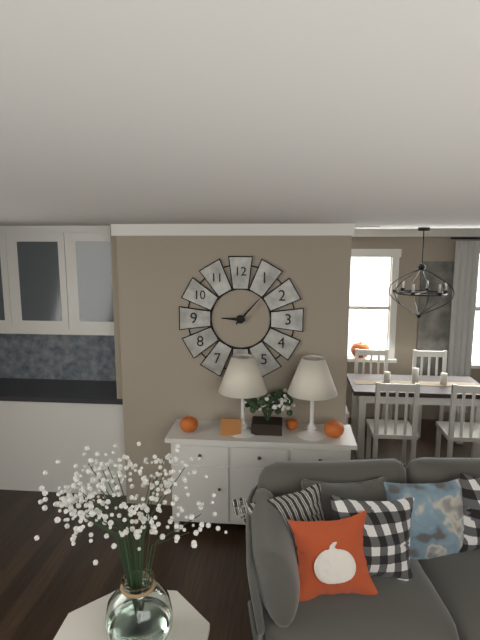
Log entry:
**9:07**
